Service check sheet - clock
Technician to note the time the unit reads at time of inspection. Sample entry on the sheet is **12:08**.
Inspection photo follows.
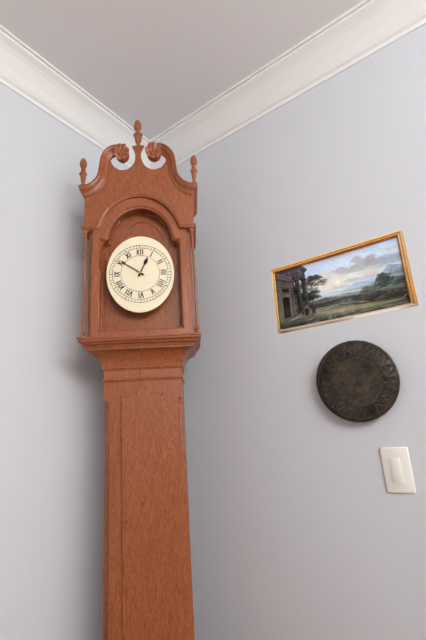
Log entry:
**12:51**
